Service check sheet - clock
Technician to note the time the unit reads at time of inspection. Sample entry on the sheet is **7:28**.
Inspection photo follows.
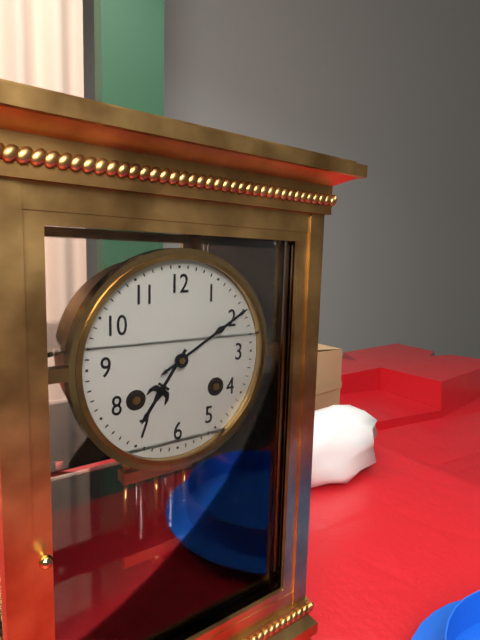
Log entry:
**7:10**
